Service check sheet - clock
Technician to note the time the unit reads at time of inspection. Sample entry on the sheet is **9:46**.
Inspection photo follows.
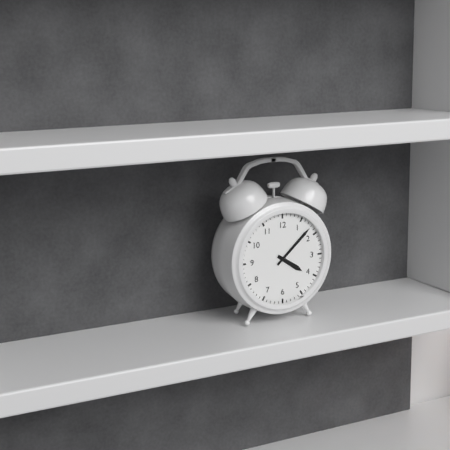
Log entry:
**4:08**
